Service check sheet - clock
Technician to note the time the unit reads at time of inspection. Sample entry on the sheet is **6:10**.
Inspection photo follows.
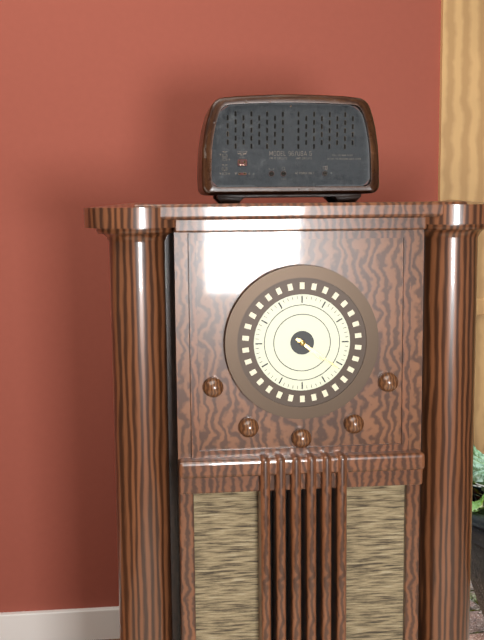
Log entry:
**4:21**
